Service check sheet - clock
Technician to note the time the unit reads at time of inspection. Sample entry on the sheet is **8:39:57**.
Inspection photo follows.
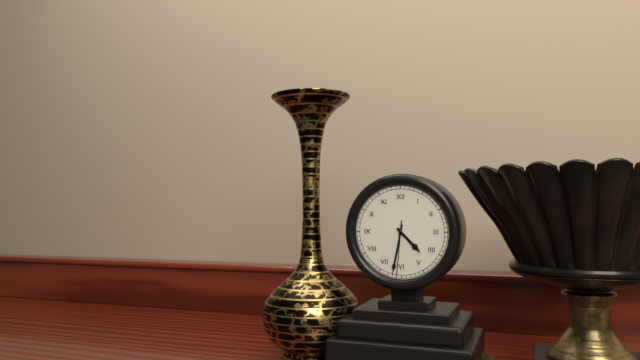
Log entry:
**4:32:31**
